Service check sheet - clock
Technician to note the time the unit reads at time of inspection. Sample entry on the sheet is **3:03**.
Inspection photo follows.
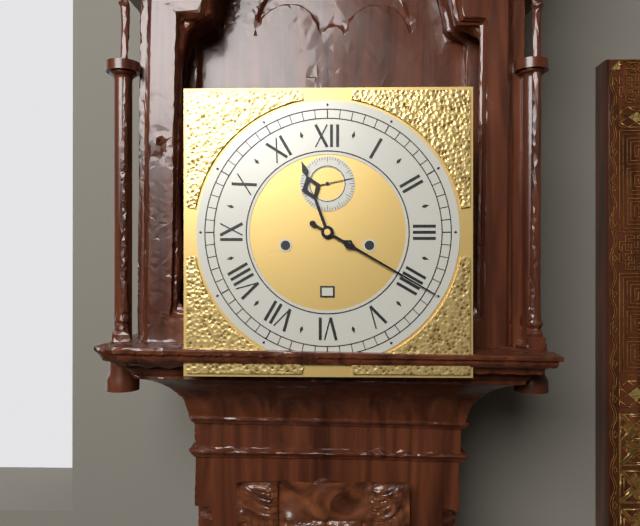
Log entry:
**11:20**
